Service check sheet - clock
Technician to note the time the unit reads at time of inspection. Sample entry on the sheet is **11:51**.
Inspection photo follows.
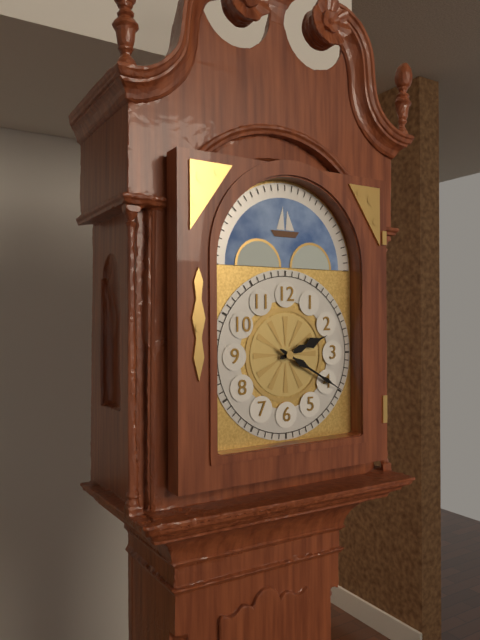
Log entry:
**2:20**
